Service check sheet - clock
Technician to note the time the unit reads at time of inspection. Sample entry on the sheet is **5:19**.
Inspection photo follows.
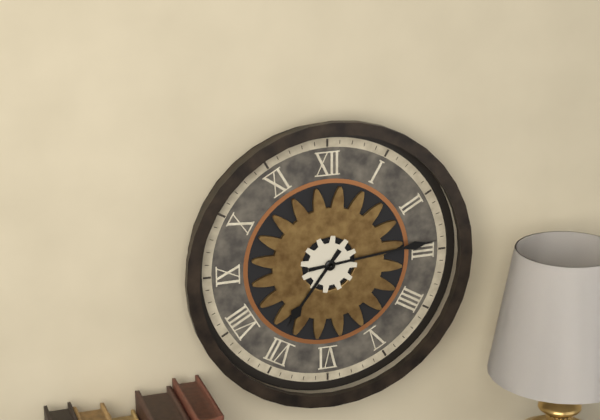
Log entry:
**7:14**
